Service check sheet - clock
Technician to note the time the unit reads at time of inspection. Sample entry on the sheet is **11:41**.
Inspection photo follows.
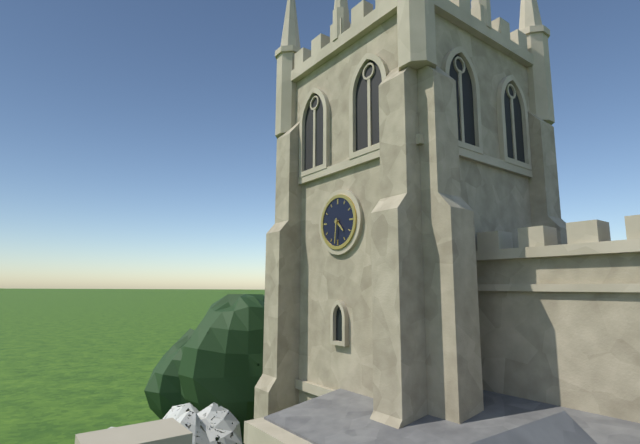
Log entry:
**4:31**
